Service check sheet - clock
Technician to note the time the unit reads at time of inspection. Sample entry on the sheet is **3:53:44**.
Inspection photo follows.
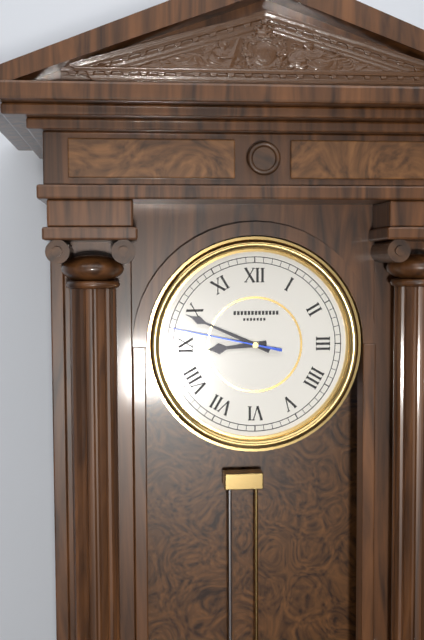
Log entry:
**8:49:47**
